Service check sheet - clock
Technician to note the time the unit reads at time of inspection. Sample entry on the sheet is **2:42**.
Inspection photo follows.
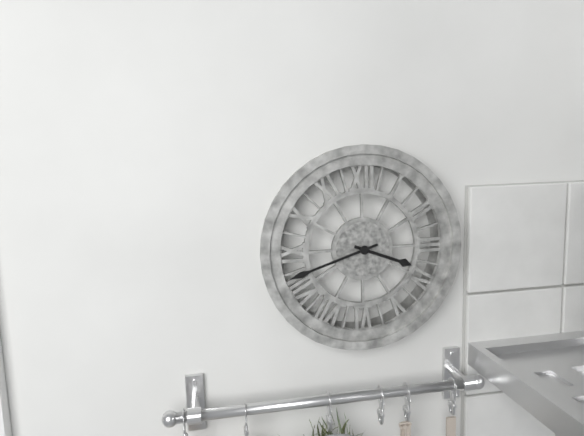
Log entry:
**3:42**
